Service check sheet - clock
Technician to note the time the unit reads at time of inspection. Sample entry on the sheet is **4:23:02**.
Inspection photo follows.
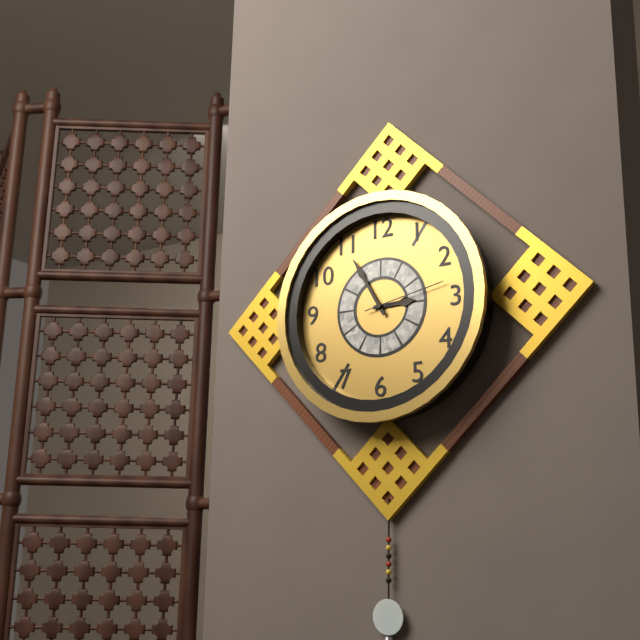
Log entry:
**2:55:13**
